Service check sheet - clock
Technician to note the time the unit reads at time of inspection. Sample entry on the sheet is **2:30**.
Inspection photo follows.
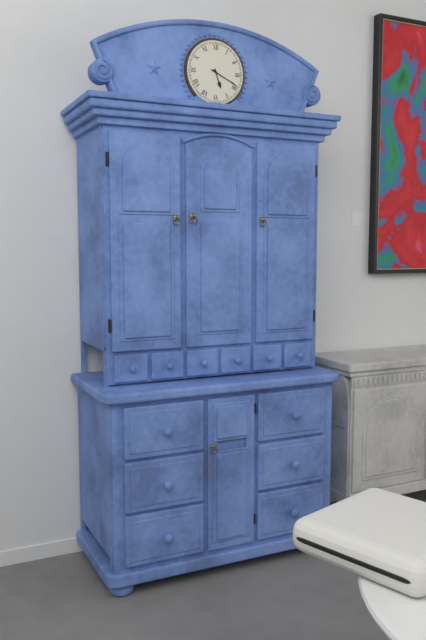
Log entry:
**5:19**
